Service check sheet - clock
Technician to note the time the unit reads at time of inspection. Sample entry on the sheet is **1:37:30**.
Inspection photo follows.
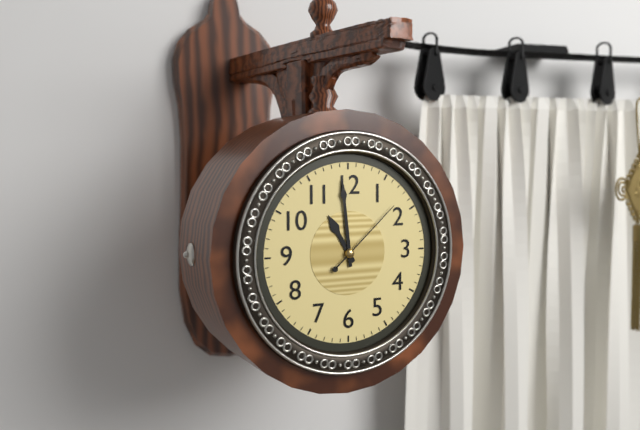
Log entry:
**10:59:08**
